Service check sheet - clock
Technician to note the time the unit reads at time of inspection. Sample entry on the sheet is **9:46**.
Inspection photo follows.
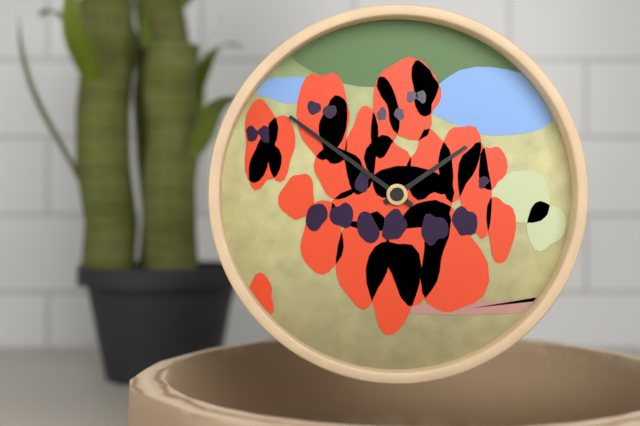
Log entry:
**1:51**
